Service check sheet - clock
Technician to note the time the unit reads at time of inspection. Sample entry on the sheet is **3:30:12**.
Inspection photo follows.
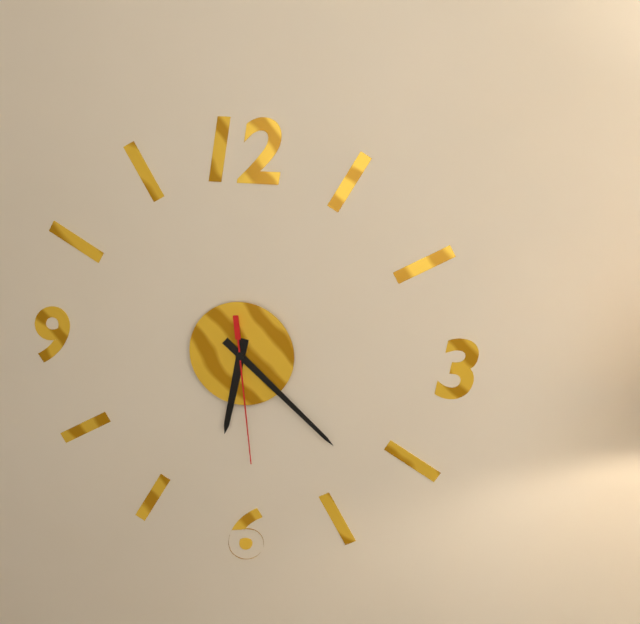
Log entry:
**6:22:29**
